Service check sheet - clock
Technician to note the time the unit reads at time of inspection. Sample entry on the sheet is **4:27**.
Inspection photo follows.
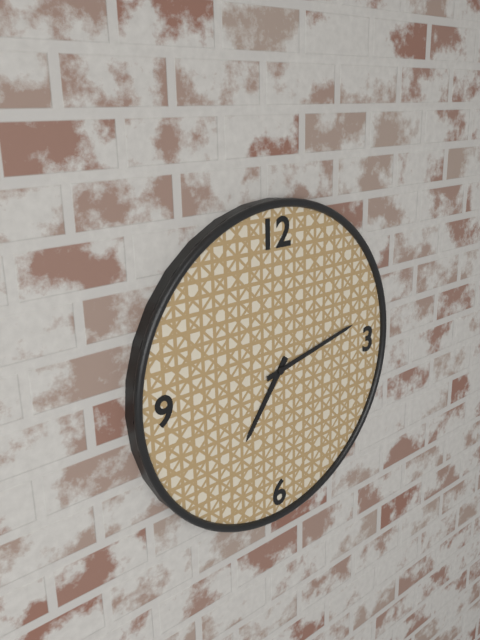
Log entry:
**7:13**
